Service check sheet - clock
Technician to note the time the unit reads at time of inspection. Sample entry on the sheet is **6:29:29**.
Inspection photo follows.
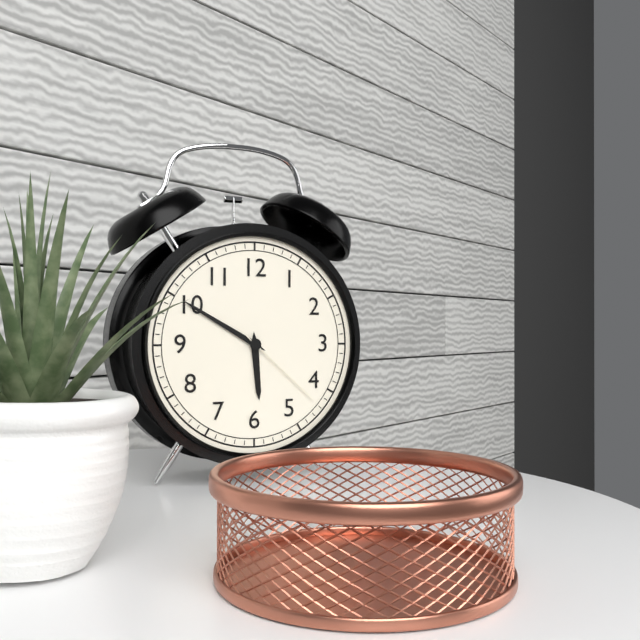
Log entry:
**5:50:22**
